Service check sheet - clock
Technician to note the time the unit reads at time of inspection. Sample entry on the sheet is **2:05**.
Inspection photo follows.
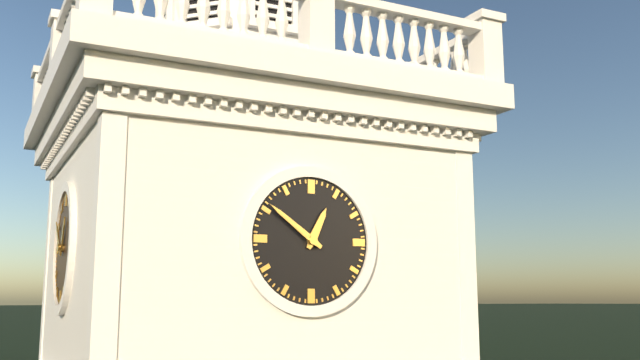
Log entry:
**12:51**
